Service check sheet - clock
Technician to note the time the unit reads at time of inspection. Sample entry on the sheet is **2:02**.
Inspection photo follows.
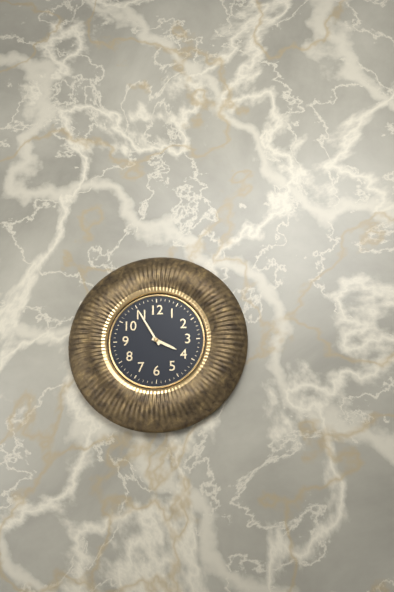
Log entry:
**3:55**
